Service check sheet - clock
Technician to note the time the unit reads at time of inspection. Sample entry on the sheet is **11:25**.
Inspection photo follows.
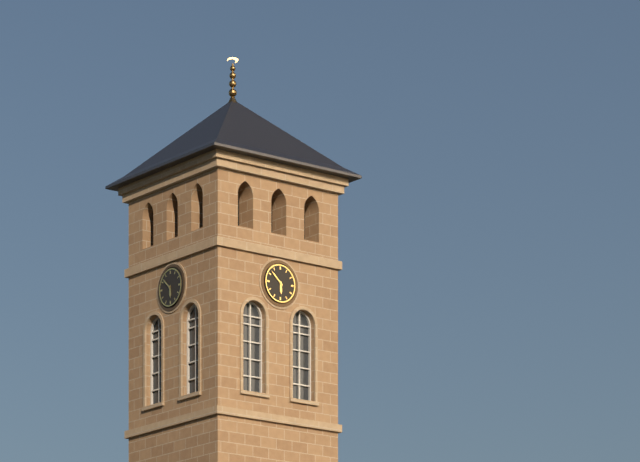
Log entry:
**5:52**
